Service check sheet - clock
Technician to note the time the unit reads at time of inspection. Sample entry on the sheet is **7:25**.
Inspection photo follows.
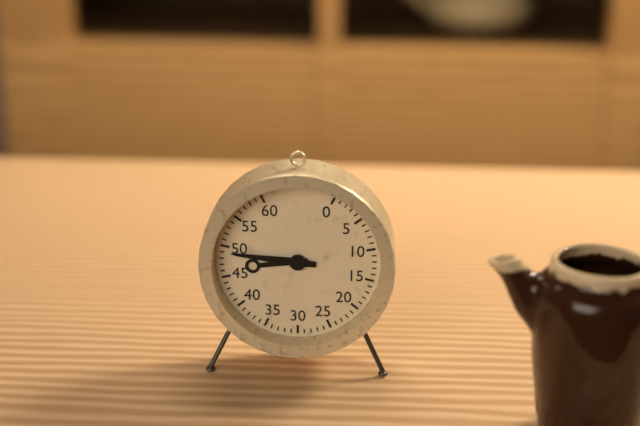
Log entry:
**8:46**
